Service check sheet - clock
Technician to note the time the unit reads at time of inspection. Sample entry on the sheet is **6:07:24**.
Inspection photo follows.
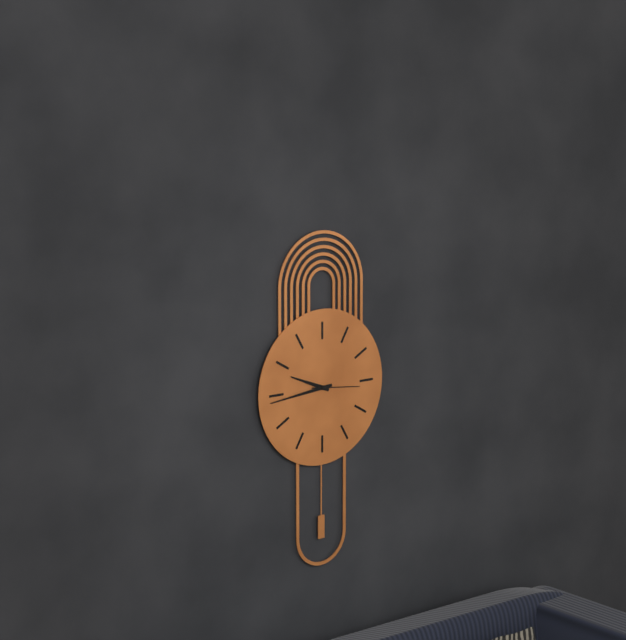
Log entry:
**9:44:16**
